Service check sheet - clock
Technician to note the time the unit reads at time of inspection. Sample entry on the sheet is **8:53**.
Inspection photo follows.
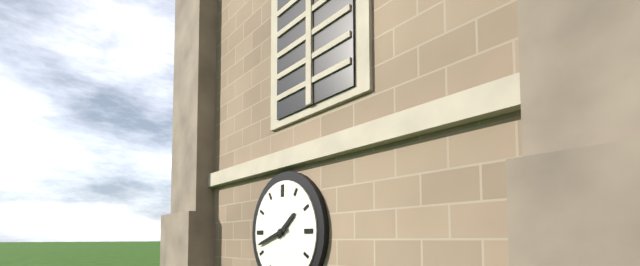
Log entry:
**1:42**
